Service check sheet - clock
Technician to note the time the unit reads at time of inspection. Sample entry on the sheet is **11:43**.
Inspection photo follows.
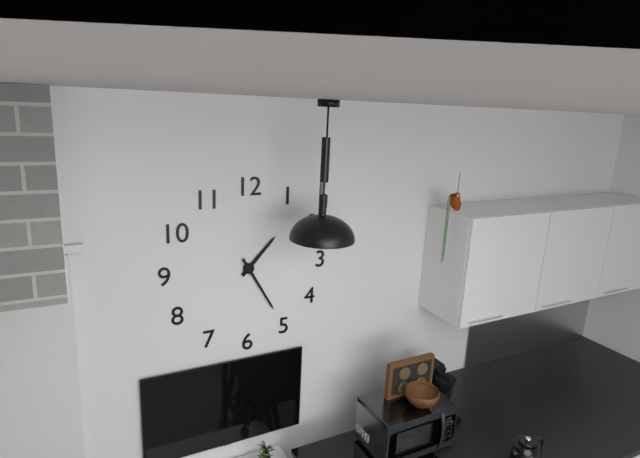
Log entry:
**1:25**
